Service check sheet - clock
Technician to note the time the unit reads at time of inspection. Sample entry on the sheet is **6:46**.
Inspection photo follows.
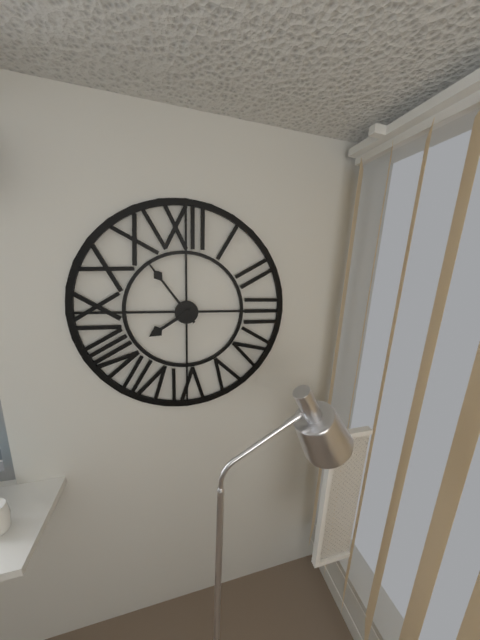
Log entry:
**7:54**
